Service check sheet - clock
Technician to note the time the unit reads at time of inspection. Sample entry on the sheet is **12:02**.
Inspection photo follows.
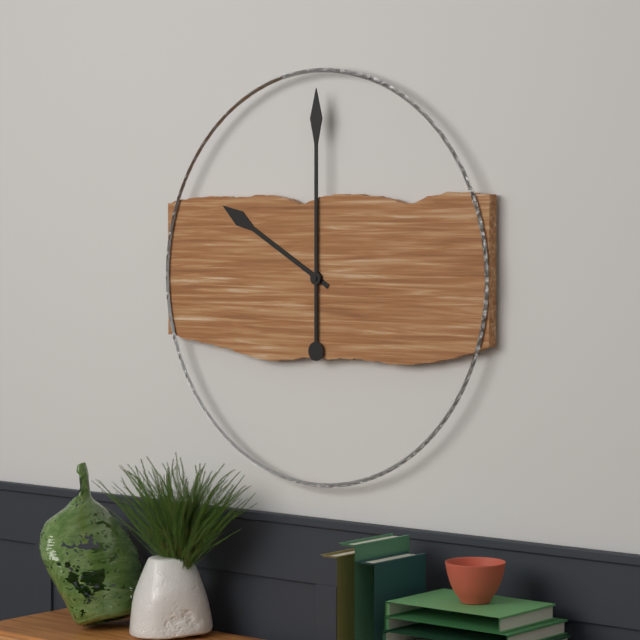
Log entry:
**10:00**
